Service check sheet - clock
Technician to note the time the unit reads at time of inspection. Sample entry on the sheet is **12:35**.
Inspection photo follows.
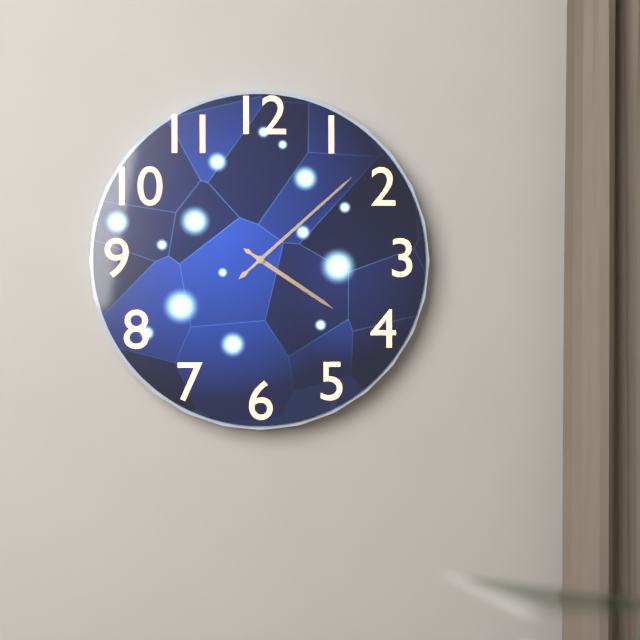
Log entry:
**4:08**
